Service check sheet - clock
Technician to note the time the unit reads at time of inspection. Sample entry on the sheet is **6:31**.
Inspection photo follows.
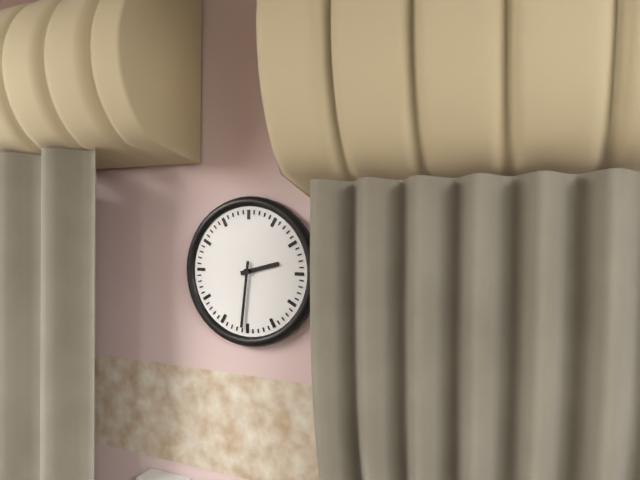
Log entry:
**2:31**
